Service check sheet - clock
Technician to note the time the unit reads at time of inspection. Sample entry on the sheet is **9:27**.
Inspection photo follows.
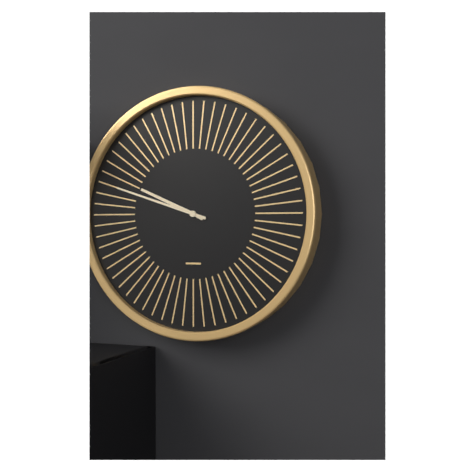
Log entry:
**9:48**
